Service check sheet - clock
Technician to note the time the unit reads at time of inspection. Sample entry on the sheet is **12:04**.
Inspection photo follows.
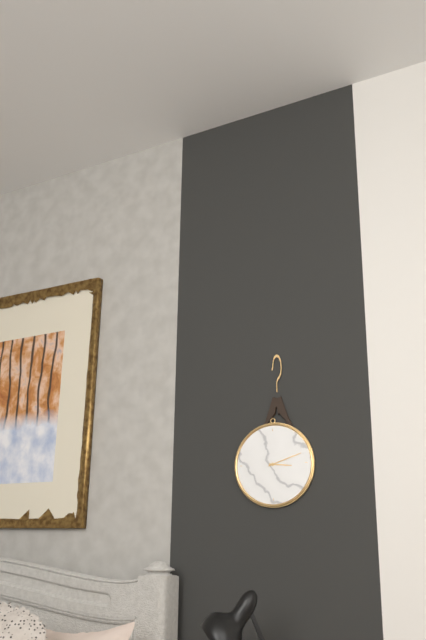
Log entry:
**3:12**
